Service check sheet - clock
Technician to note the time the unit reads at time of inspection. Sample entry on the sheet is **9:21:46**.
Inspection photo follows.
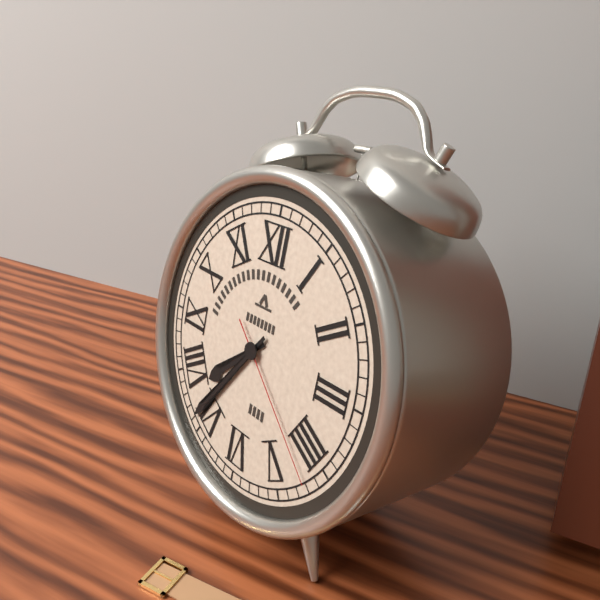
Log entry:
**7:36:22**
